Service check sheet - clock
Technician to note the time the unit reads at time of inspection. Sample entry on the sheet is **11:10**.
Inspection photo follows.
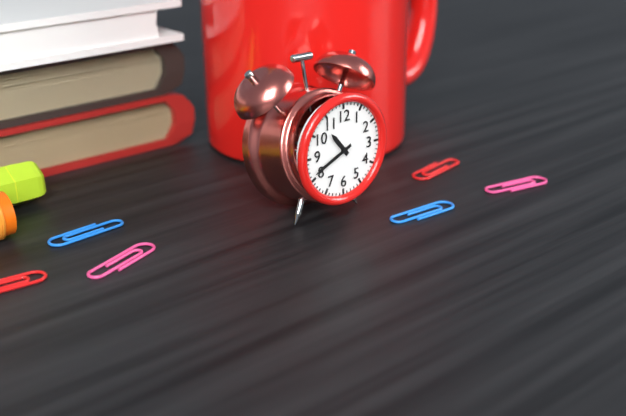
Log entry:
**10:41**
